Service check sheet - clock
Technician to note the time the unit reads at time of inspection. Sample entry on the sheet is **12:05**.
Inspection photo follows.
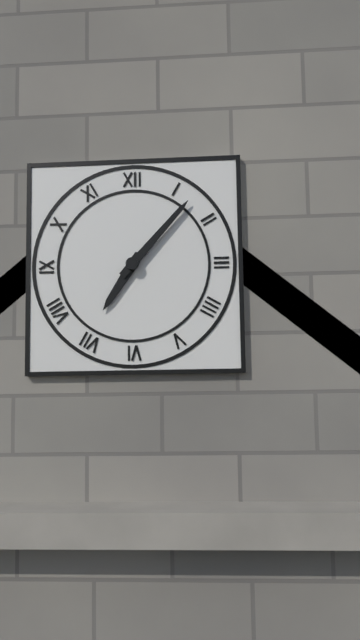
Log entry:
**7:07**
